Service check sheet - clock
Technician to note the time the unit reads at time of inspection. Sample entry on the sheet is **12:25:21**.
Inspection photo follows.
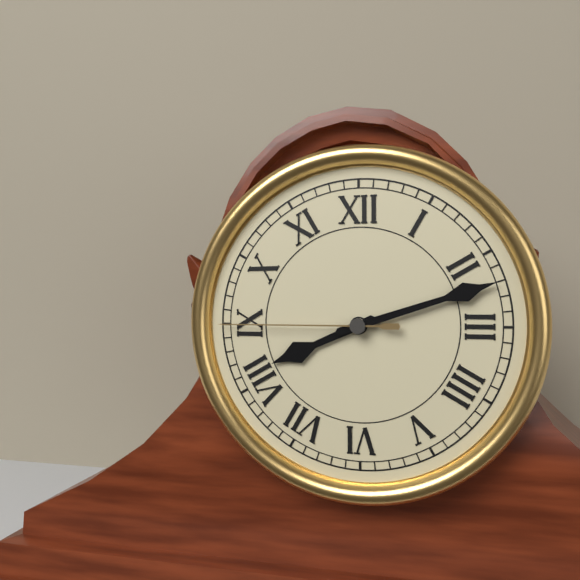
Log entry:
**8:12:45**
